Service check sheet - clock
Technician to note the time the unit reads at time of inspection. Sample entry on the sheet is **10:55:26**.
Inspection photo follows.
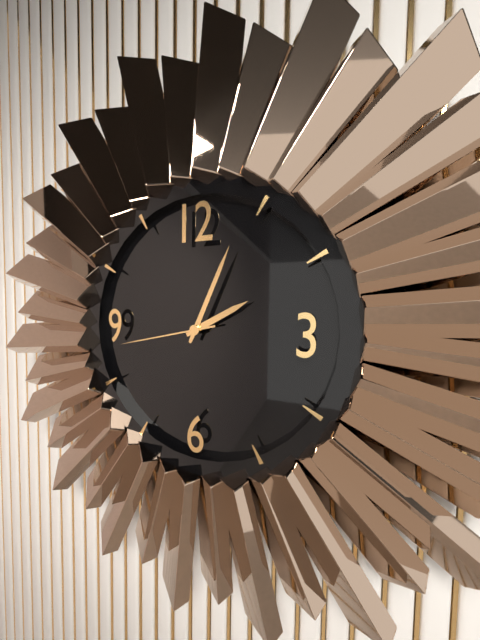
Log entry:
**2:04:43**
